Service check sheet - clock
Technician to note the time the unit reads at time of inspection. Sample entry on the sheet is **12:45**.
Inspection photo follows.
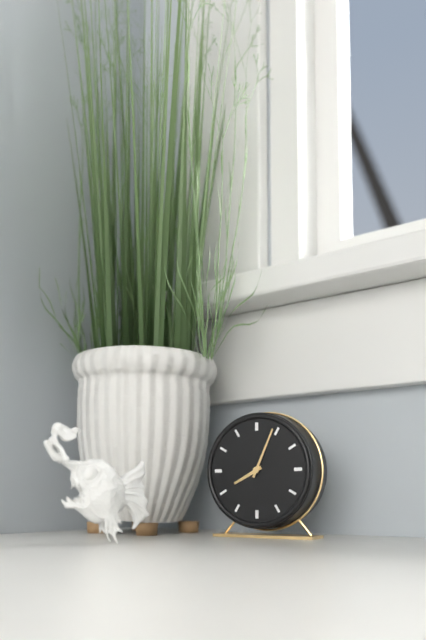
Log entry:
**8:04**
